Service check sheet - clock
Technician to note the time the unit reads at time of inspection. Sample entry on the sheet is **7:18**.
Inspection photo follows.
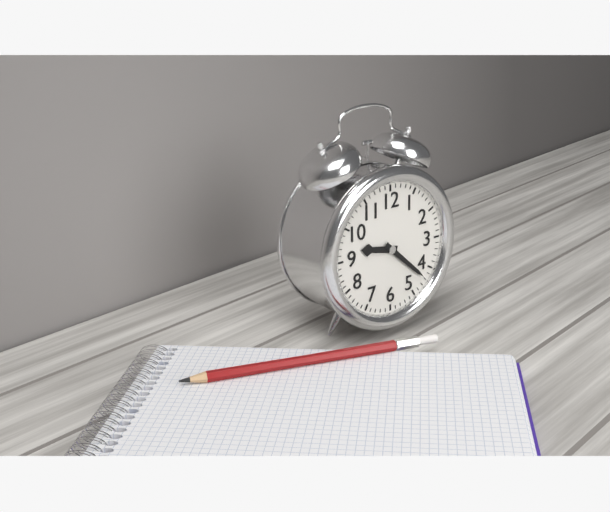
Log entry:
**9:22**
